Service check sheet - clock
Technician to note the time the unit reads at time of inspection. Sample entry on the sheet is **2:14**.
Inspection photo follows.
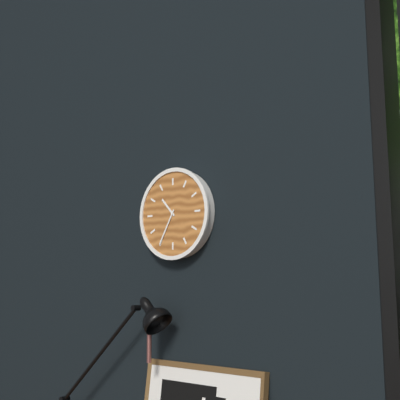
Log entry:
**10:35**
